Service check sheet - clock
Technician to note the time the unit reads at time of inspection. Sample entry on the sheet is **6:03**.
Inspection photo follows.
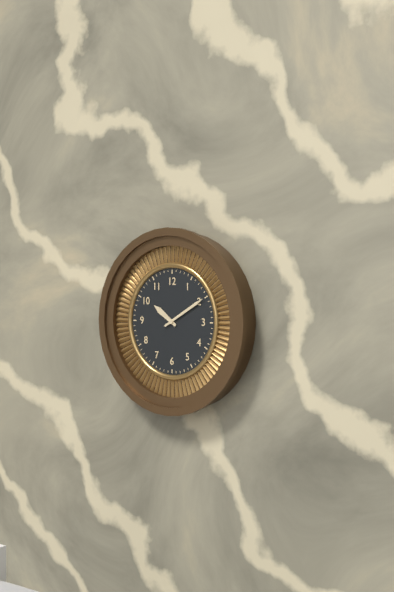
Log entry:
**10:10**
